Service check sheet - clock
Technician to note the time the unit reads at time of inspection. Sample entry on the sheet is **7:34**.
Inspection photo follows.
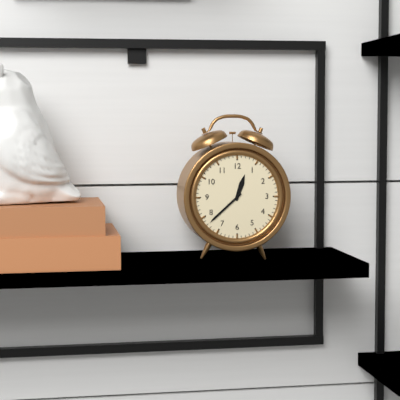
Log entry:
**12:38**
